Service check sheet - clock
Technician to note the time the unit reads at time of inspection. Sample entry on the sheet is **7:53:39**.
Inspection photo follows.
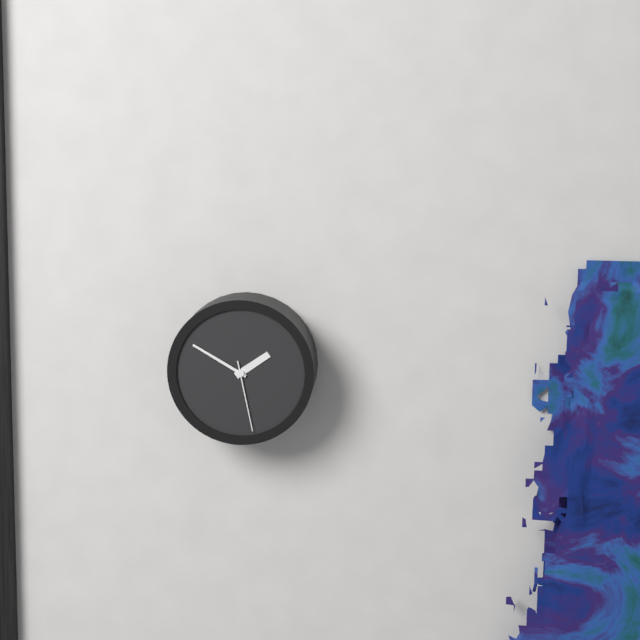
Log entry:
**1:50:28**
